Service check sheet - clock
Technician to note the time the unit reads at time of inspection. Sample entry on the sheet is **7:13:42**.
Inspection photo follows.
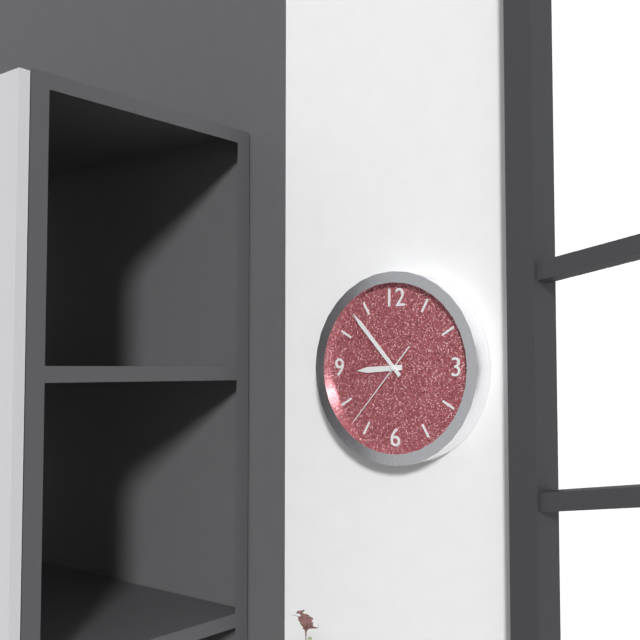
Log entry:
**8:53:37**
